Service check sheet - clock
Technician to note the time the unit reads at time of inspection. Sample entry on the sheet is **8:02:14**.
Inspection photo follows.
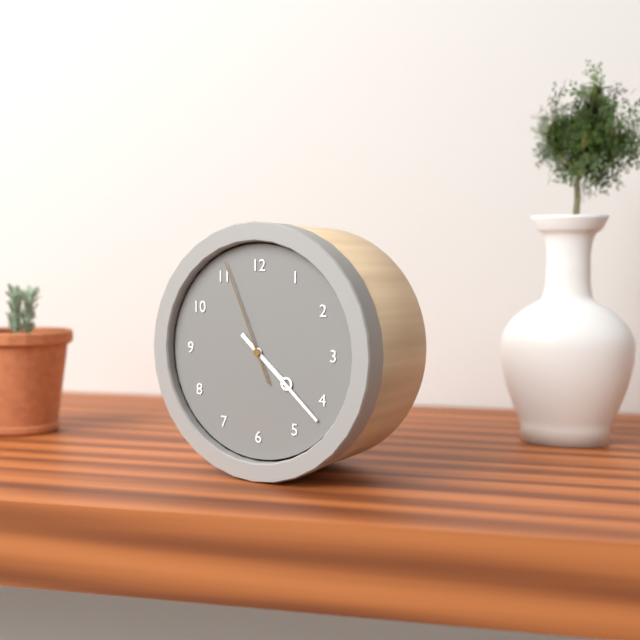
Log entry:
**4:22:56**
